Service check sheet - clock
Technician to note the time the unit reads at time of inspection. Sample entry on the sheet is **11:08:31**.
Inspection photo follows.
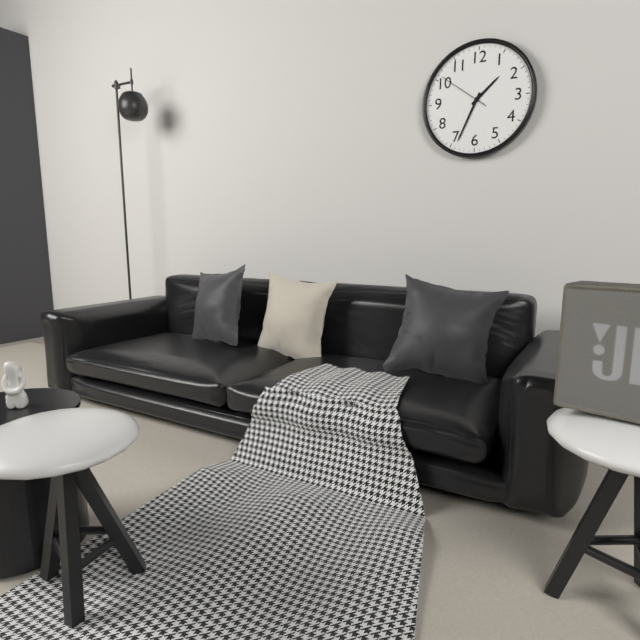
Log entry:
**1:34:51**
